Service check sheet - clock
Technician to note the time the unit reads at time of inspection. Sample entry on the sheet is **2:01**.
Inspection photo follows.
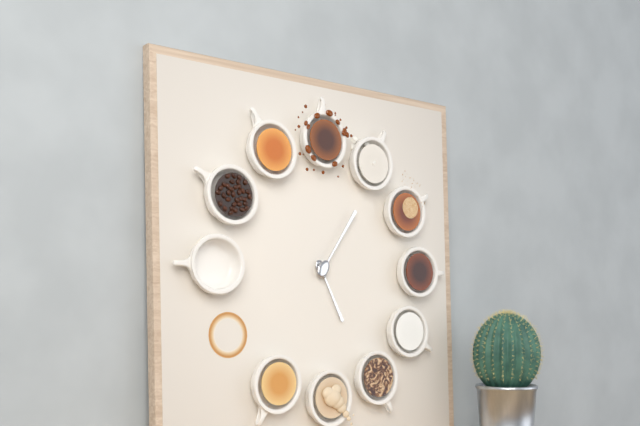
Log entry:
**5:06**
